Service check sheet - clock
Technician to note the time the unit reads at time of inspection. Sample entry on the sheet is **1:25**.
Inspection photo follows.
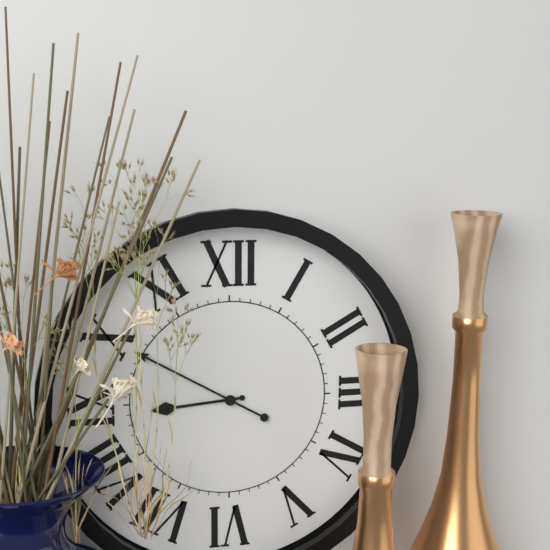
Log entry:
**8:50**
